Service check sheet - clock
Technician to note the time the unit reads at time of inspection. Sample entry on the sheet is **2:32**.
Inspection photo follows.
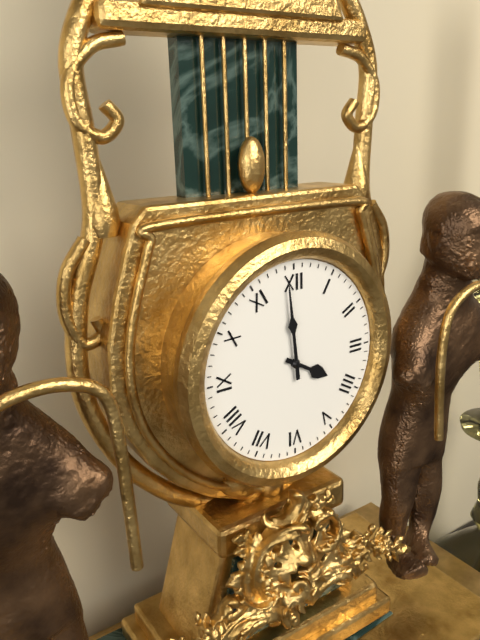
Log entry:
**3:59**
